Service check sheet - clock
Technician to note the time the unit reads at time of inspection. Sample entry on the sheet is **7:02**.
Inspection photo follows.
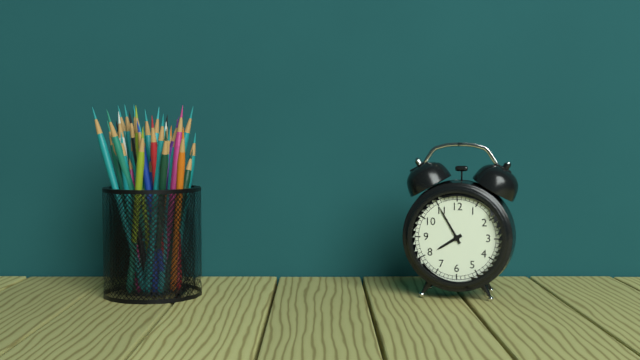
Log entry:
**7:55**
